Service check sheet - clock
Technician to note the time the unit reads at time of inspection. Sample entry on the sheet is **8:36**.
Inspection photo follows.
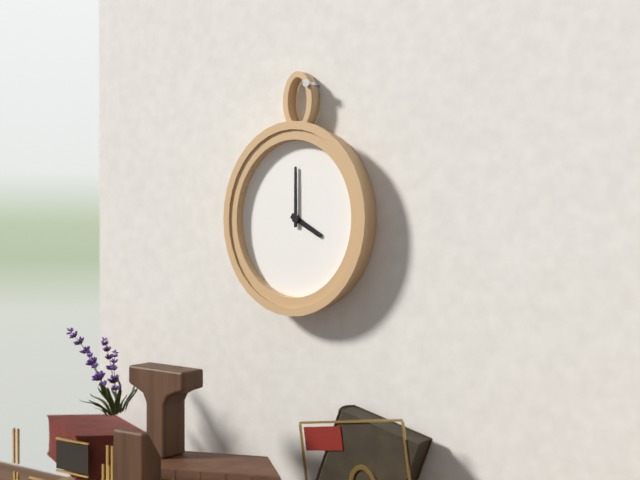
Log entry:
**4:00**
